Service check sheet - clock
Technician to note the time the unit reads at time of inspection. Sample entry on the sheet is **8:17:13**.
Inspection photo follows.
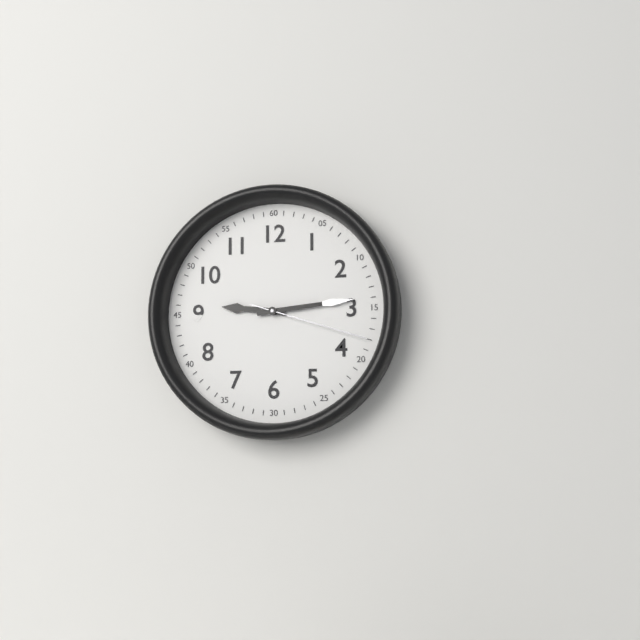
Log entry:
**9:14:18**
